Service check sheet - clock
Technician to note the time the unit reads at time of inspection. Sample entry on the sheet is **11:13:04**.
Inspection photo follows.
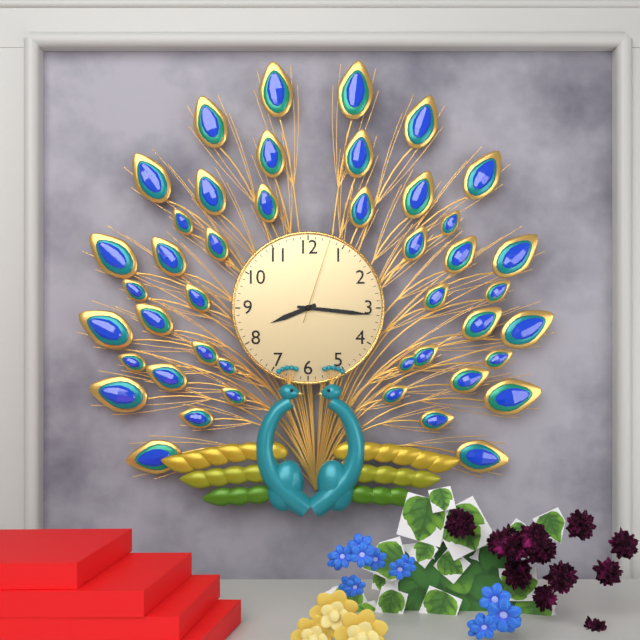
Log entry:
**8:16:03**
